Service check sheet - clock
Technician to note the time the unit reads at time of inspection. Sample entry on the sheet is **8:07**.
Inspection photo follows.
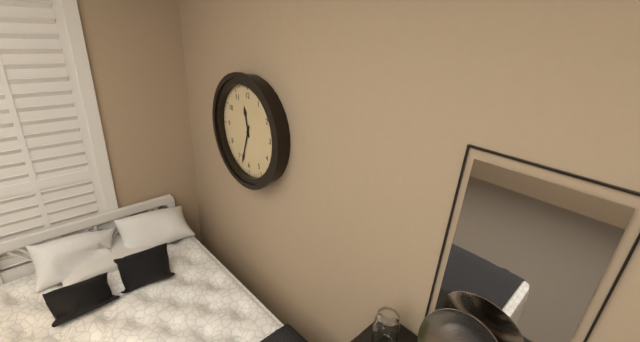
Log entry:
**11:33**
